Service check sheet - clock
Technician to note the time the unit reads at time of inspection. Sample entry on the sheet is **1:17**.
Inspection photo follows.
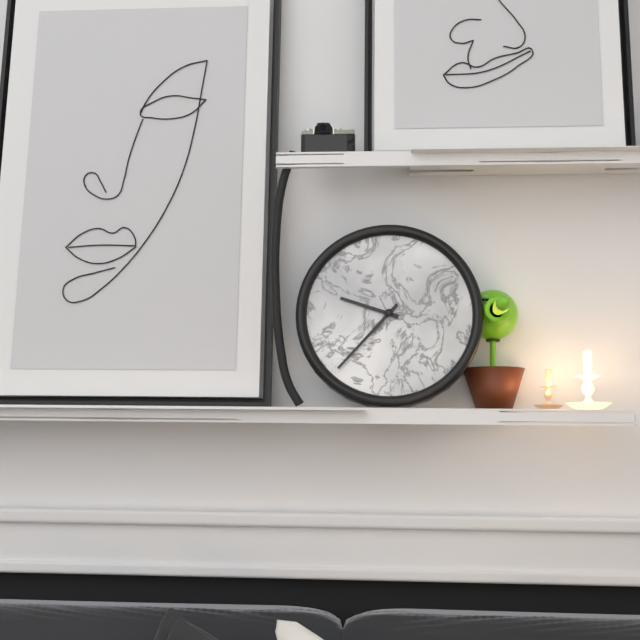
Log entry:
**9:37**
